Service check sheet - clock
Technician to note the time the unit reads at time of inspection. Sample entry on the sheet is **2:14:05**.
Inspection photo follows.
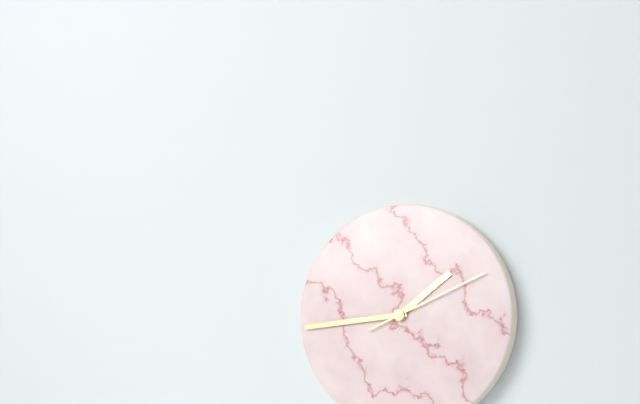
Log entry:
**1:44:11**
